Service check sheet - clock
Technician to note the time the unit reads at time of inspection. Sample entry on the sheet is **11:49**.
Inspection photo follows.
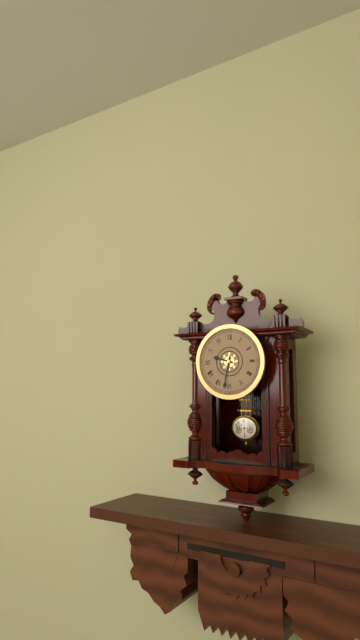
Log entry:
**9:32**
